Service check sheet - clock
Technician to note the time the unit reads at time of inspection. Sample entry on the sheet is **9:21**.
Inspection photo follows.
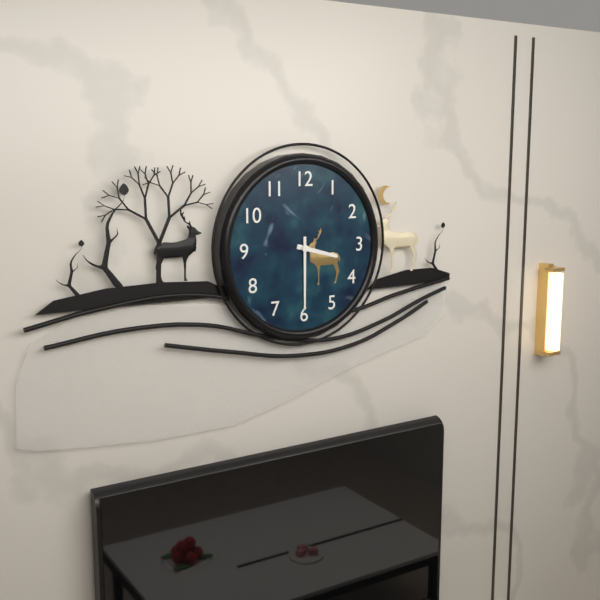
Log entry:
**3:30**
